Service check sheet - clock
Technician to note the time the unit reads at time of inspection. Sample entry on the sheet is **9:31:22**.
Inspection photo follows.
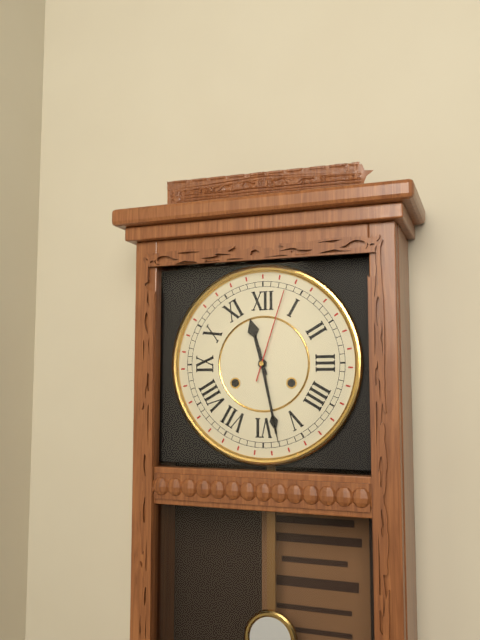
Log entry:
**11:28:03**
